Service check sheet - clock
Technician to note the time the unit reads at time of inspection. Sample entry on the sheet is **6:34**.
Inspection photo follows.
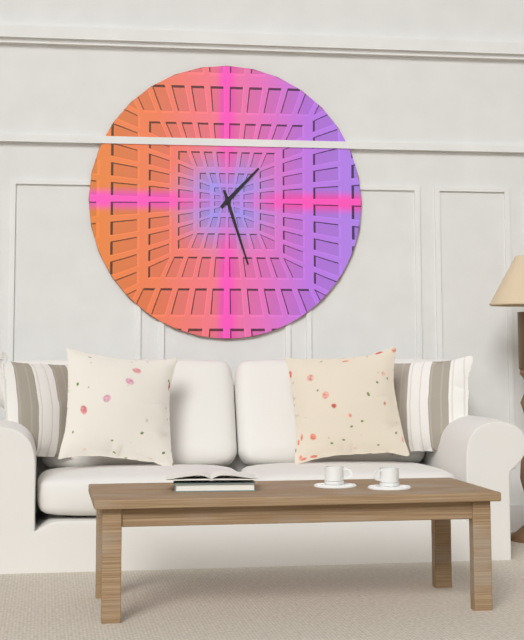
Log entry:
**1:27**
